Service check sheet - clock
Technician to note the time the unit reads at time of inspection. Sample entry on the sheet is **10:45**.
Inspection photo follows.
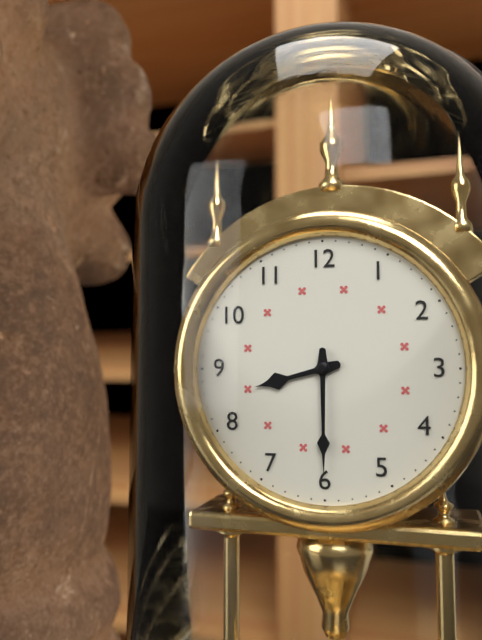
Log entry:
**8:30**
